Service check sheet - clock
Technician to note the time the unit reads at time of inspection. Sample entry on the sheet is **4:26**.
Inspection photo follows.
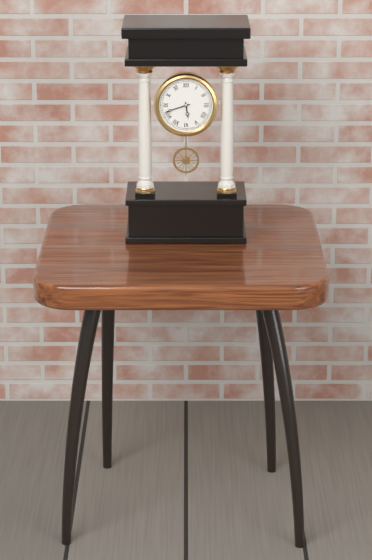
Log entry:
**5:42**
